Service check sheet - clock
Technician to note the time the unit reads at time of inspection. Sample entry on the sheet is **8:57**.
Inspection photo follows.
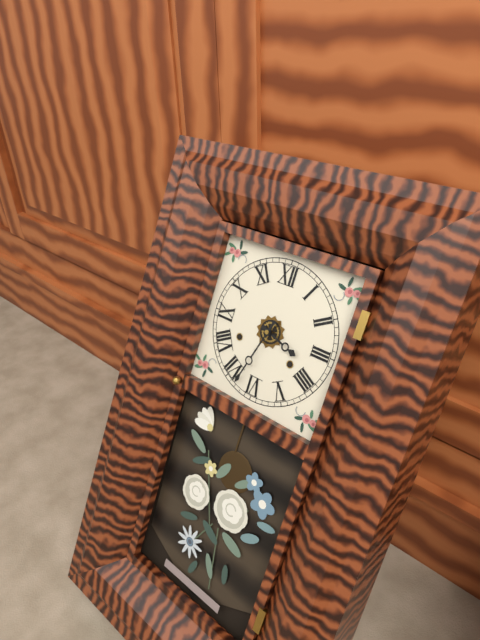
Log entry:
**3:33**
